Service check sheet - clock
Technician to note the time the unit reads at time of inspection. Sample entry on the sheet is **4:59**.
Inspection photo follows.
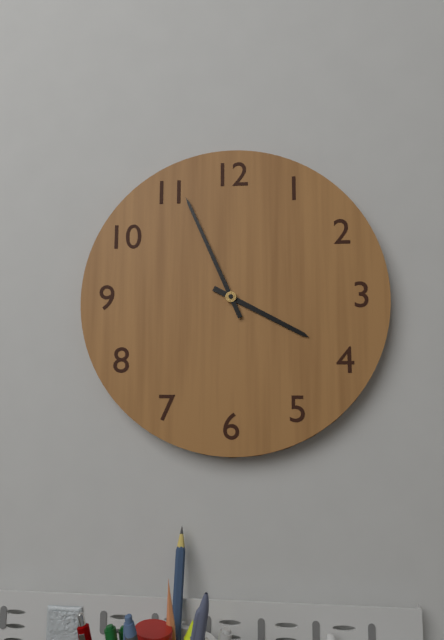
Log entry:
**3:56**
